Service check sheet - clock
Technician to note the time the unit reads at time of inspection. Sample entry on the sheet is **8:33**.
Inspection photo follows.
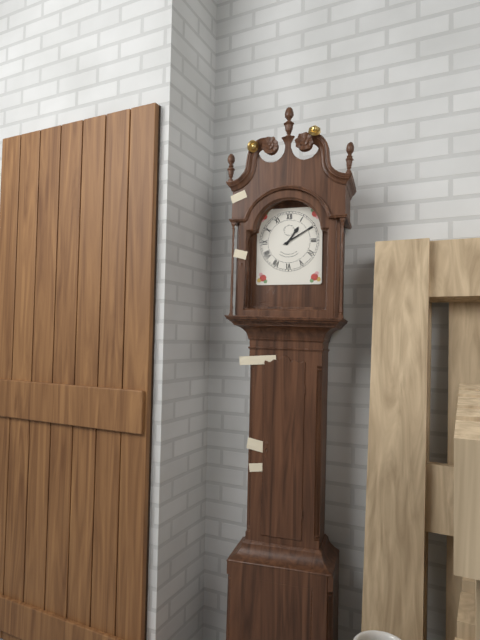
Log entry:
**1:10**
